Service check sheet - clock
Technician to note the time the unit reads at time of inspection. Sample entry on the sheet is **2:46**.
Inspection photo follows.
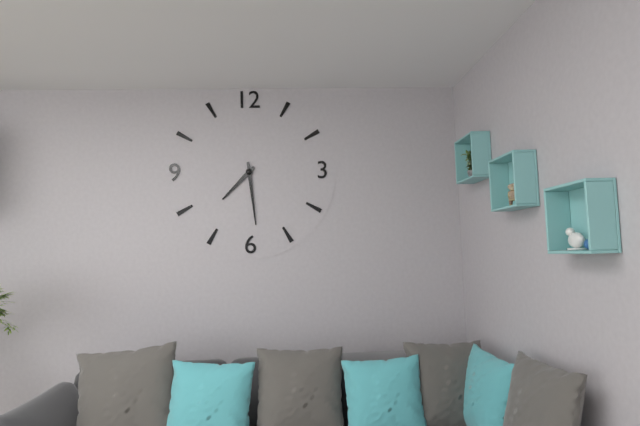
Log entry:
**7:29**
